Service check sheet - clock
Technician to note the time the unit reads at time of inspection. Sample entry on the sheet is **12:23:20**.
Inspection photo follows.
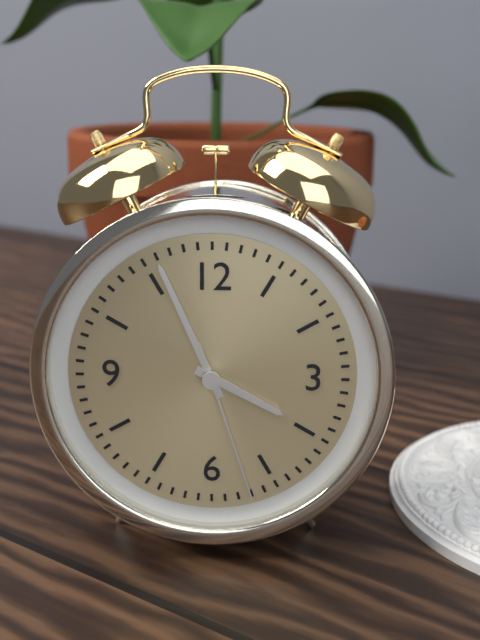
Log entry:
**3:56:27**
